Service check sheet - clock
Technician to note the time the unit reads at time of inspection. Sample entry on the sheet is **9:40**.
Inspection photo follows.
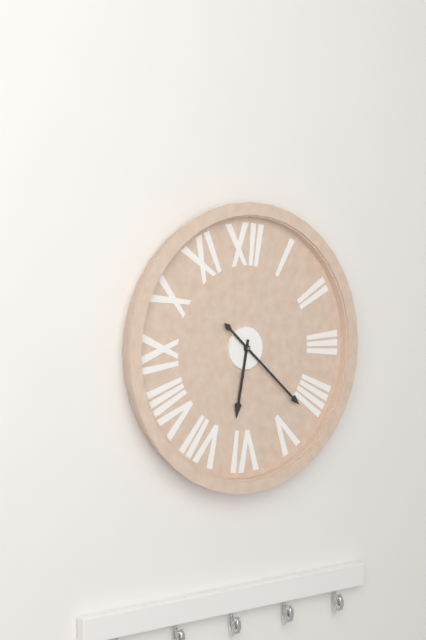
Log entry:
**6:22**
